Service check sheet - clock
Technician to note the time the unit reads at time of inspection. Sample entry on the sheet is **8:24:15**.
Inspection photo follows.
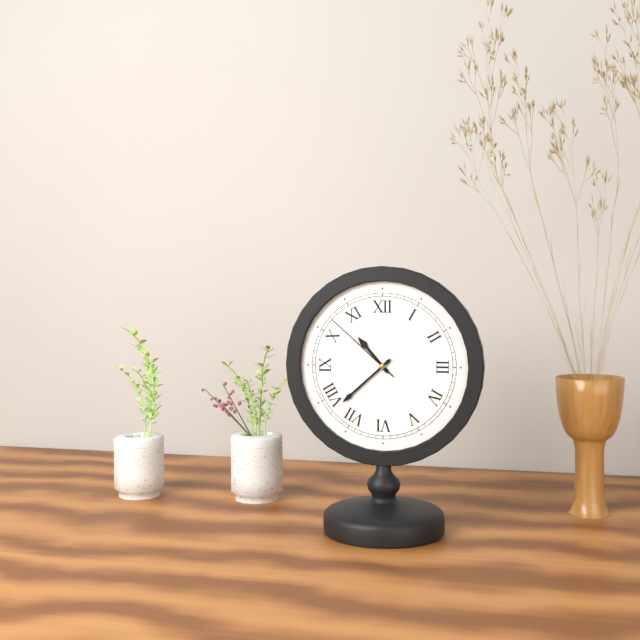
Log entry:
**10:38:52**
